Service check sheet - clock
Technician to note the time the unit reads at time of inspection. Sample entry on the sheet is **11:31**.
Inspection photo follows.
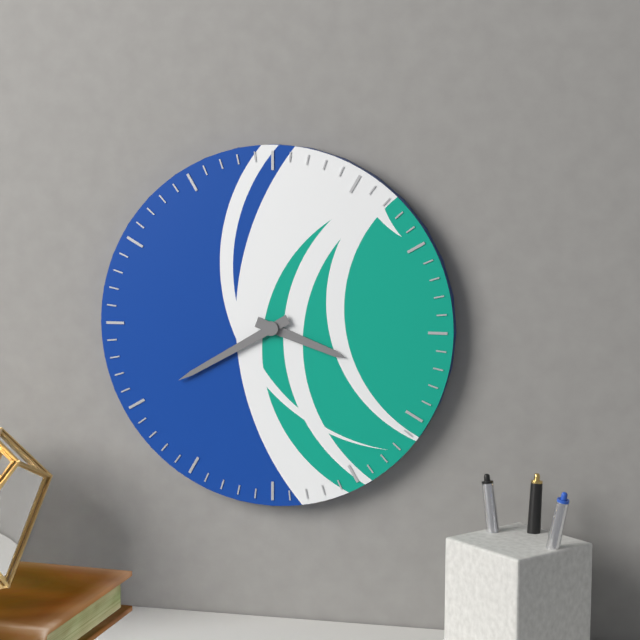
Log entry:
**3:40**
